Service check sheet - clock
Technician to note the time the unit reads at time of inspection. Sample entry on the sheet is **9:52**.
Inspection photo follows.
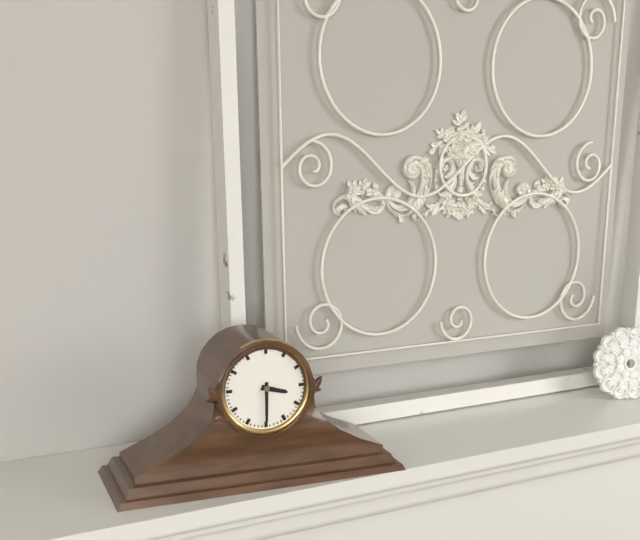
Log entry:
**3:30**
